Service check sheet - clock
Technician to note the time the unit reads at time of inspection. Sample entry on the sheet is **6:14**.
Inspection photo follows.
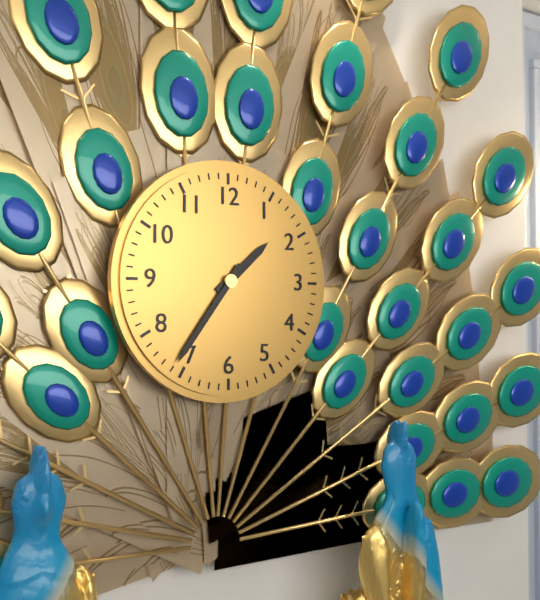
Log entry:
**1:36**
